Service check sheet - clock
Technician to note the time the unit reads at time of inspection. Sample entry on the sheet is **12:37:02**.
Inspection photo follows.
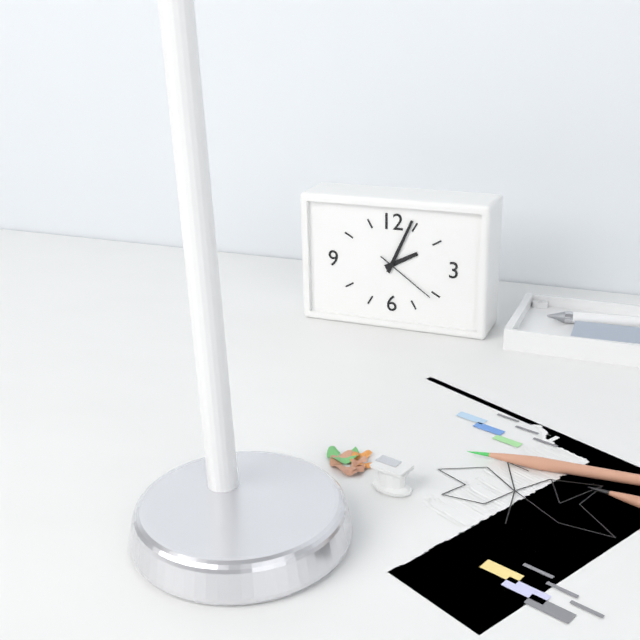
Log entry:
**2:04:21**
